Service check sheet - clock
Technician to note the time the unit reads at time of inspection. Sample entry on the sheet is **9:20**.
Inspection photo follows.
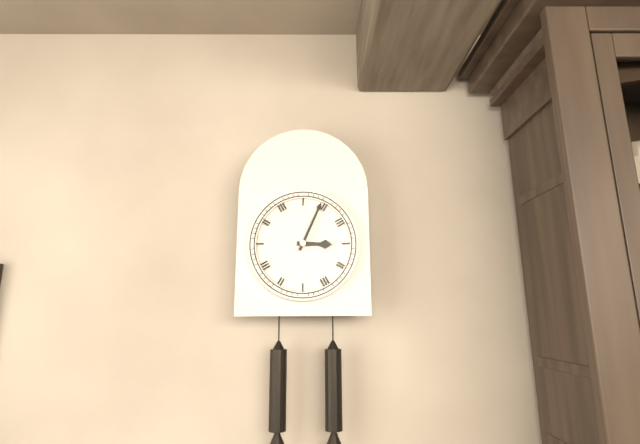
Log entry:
**3:04**
